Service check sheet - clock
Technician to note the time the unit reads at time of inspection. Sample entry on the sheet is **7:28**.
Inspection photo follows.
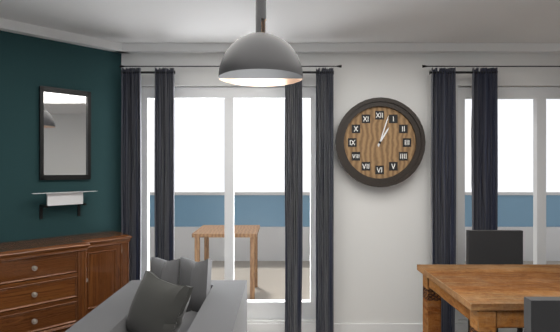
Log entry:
**1:03**
